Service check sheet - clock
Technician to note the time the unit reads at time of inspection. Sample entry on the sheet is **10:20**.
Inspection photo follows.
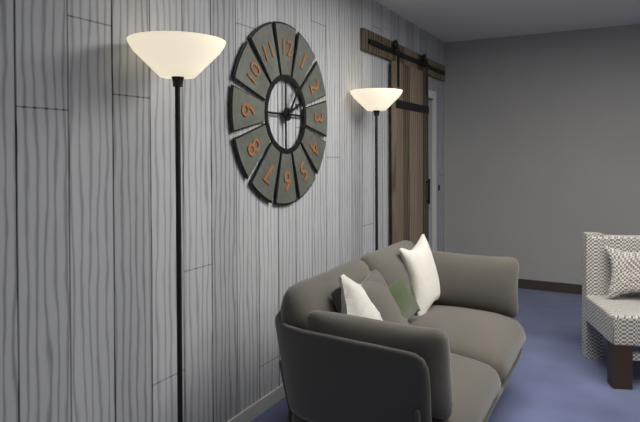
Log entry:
**2:06**
